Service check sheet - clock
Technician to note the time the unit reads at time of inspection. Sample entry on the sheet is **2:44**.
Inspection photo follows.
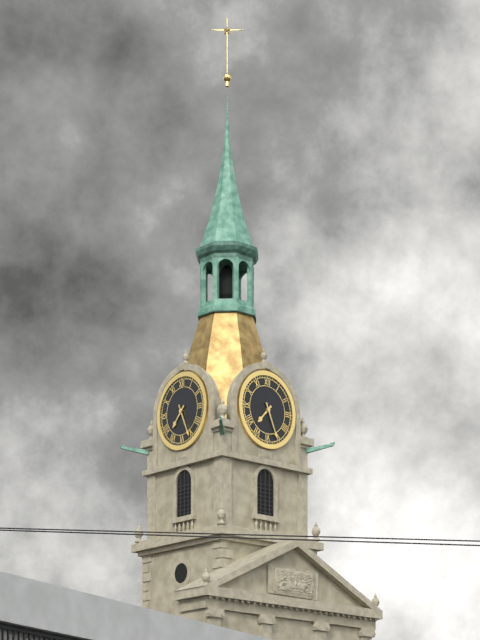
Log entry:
**7:26**
